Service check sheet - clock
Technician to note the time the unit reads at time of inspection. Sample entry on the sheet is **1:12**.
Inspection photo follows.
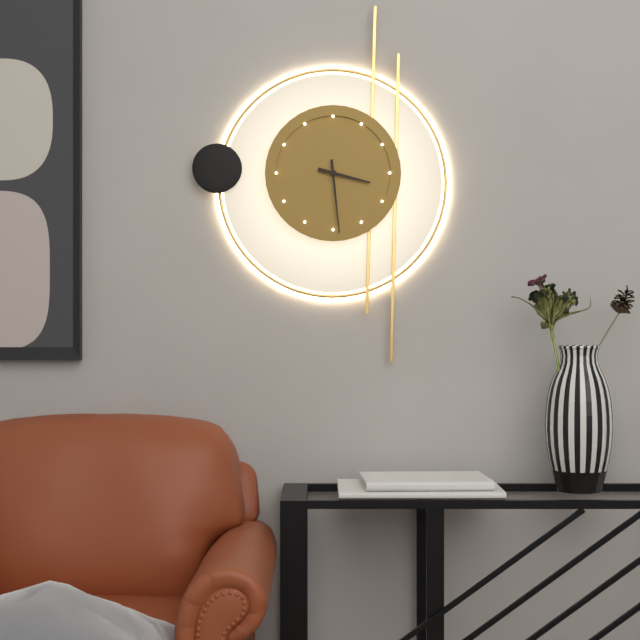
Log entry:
**3:29**
